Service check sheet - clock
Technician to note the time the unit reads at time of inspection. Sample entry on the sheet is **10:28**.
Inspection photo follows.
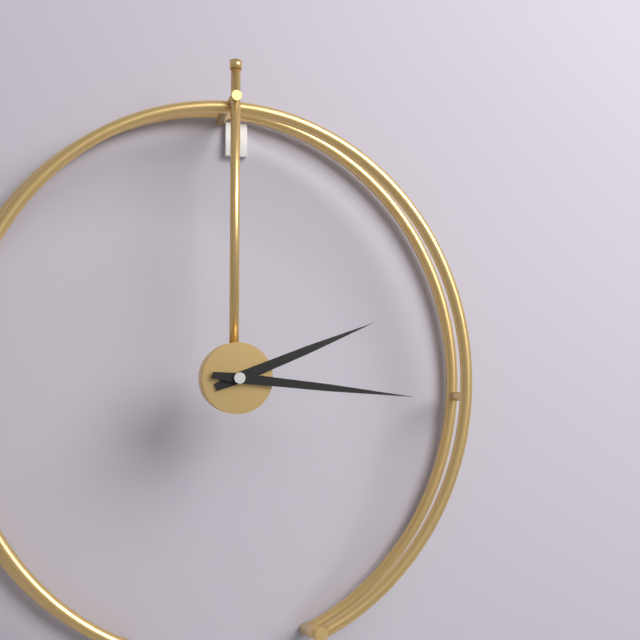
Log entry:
**2:16**
